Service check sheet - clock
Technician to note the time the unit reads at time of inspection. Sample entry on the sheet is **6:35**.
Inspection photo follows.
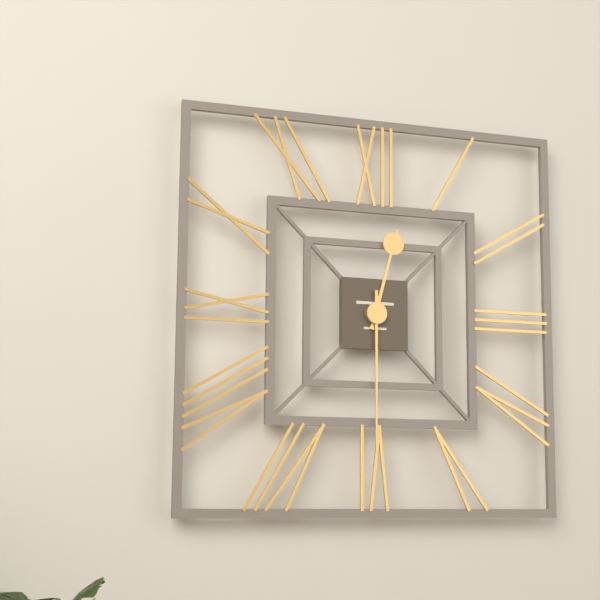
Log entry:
**12:30**
